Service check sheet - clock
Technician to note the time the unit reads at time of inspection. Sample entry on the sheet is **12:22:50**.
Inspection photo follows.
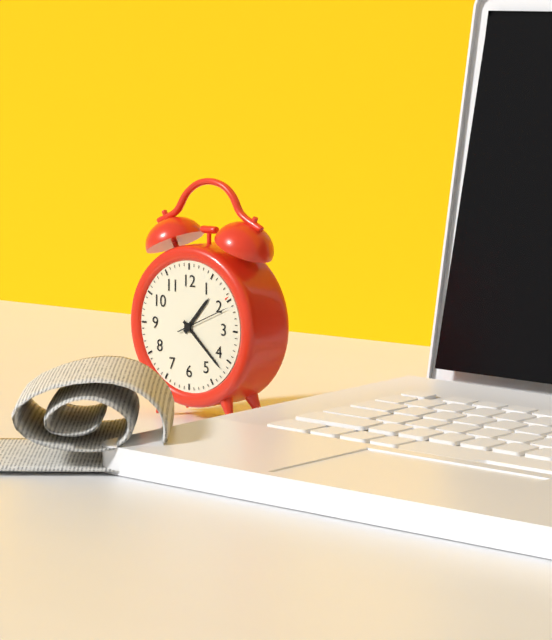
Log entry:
**1:22:11**
